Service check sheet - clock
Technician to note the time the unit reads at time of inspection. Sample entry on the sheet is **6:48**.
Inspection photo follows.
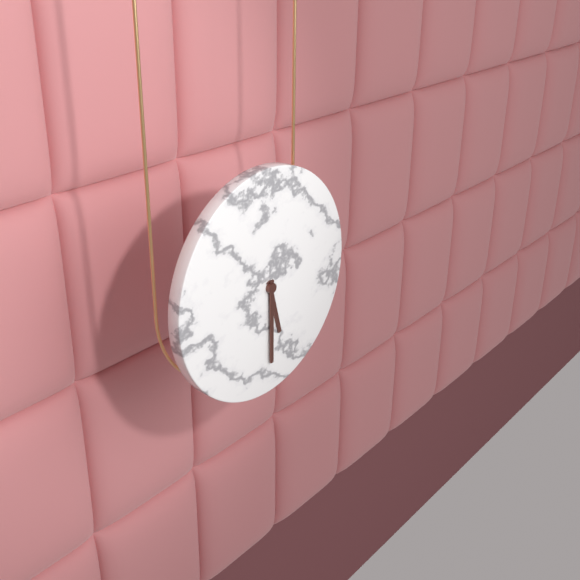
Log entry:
**5:30**
